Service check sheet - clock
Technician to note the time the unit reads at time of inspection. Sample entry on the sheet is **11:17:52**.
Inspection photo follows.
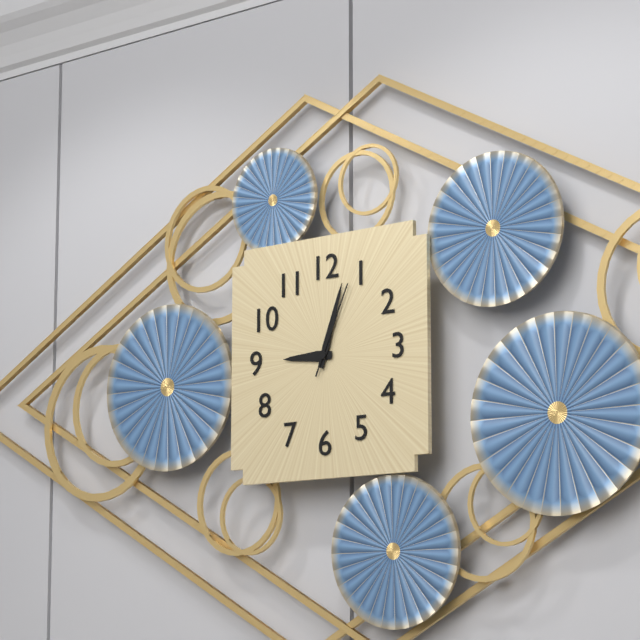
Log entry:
**9:03:04**
